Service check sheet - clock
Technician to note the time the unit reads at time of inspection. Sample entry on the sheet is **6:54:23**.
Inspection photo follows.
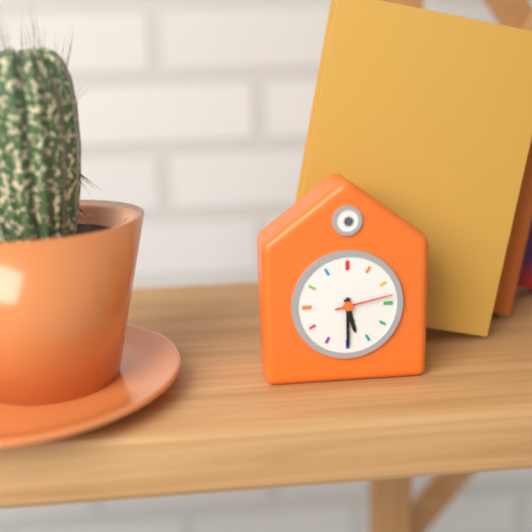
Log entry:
**5:30:13**
